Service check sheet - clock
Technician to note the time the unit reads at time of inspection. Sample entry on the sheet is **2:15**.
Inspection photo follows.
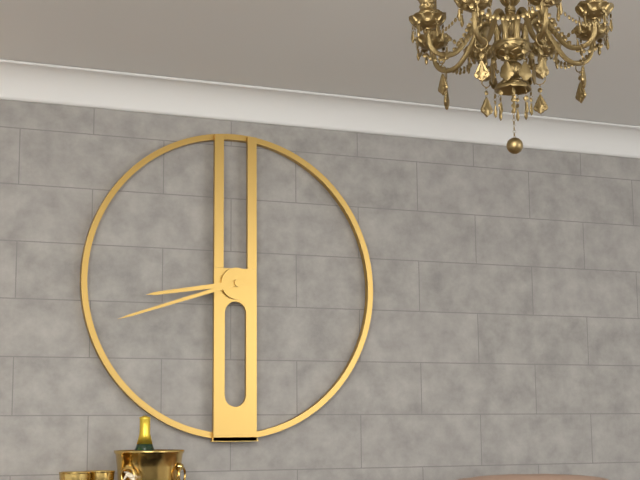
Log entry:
**8:42**
